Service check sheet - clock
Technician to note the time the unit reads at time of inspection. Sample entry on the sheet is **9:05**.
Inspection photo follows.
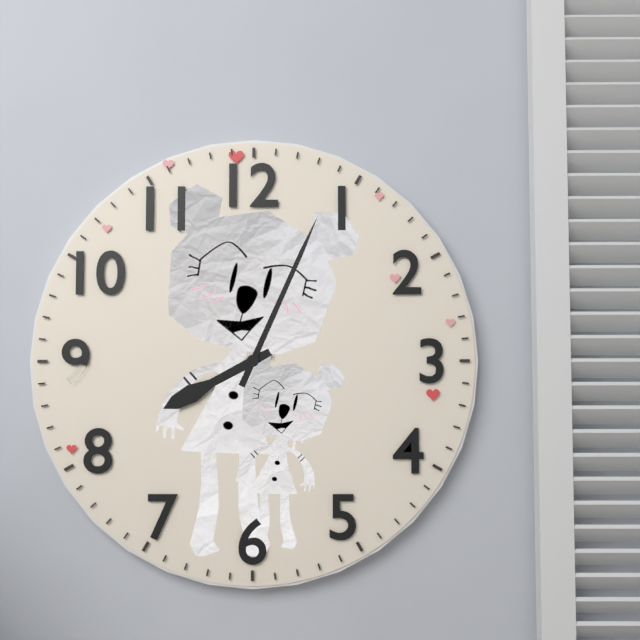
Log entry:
**8:04**
